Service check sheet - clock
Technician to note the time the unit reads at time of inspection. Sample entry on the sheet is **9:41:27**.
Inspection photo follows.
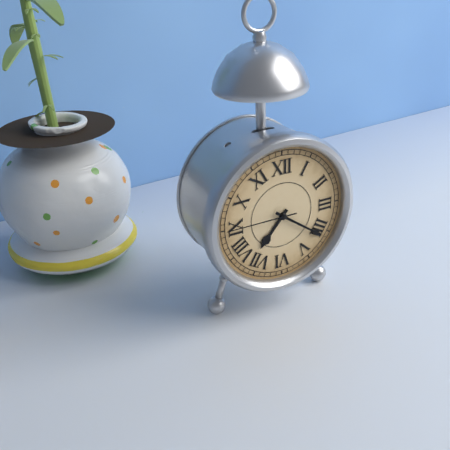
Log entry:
**7:21:45**
